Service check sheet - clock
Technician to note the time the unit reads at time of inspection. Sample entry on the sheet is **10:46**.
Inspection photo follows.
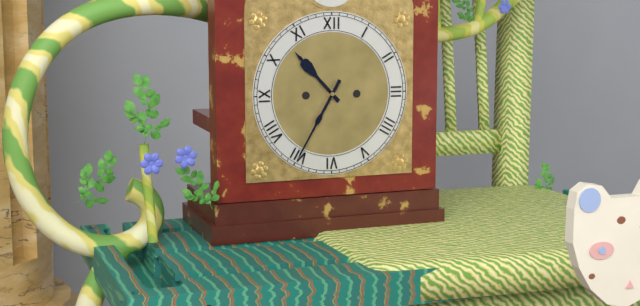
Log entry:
**10:35**
